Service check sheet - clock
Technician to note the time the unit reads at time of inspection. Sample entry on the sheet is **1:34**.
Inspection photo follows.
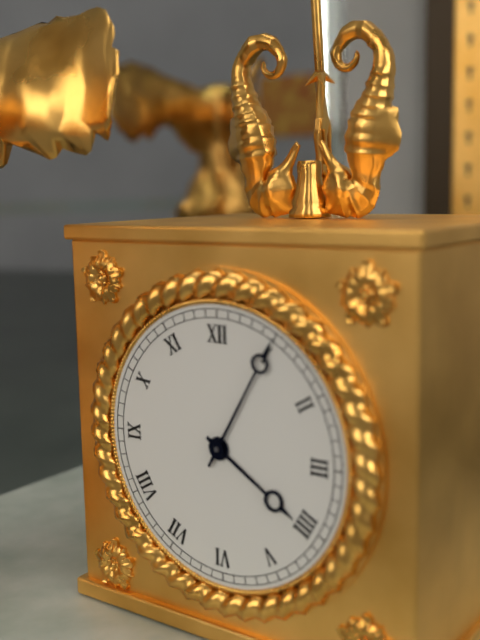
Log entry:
**4:05**
